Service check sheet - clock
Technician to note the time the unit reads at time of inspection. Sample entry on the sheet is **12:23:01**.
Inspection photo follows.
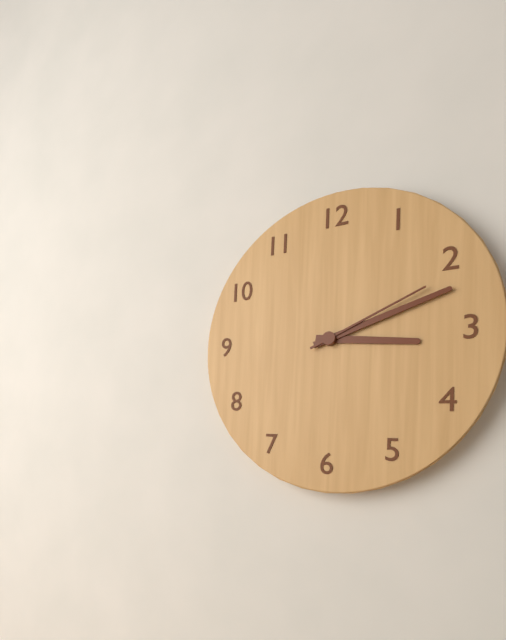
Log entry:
**3:12:11**
